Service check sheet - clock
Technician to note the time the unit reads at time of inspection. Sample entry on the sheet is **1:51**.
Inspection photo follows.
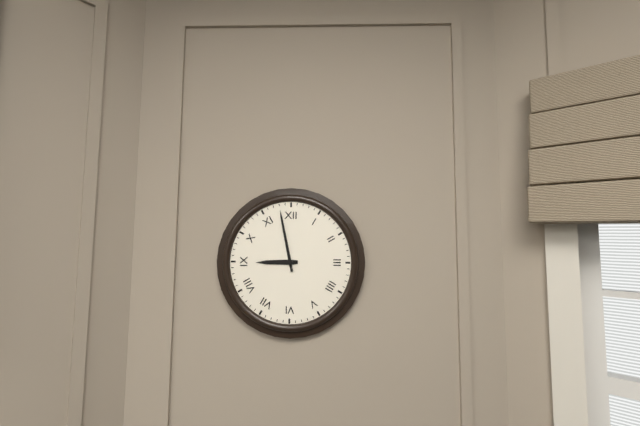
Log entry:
**8:58**
